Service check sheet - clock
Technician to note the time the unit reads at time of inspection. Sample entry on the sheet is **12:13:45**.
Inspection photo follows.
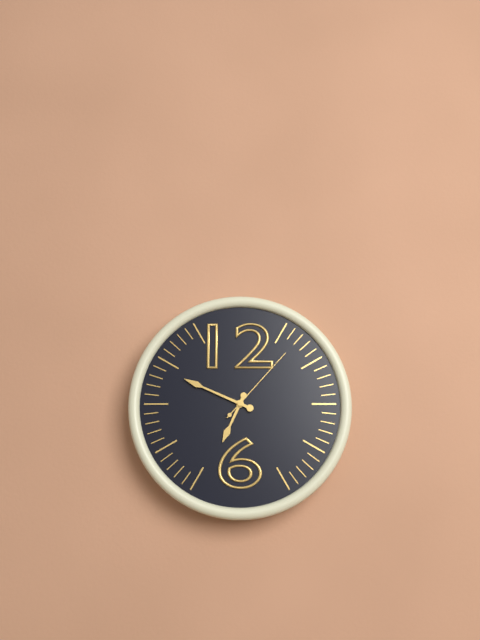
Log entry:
**6:49:07**
